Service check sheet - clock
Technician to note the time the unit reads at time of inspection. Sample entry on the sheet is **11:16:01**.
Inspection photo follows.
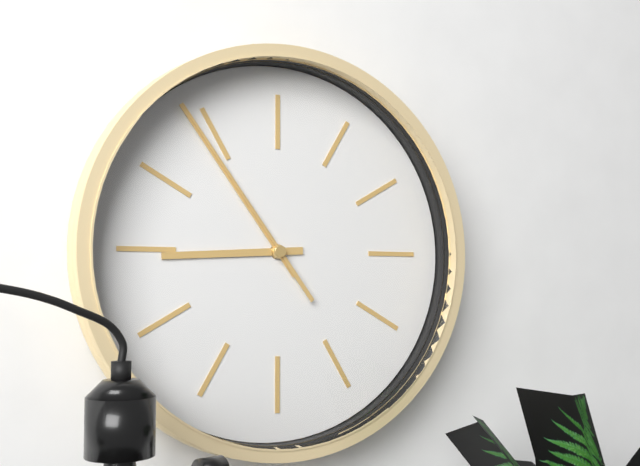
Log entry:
**8:54:54**
